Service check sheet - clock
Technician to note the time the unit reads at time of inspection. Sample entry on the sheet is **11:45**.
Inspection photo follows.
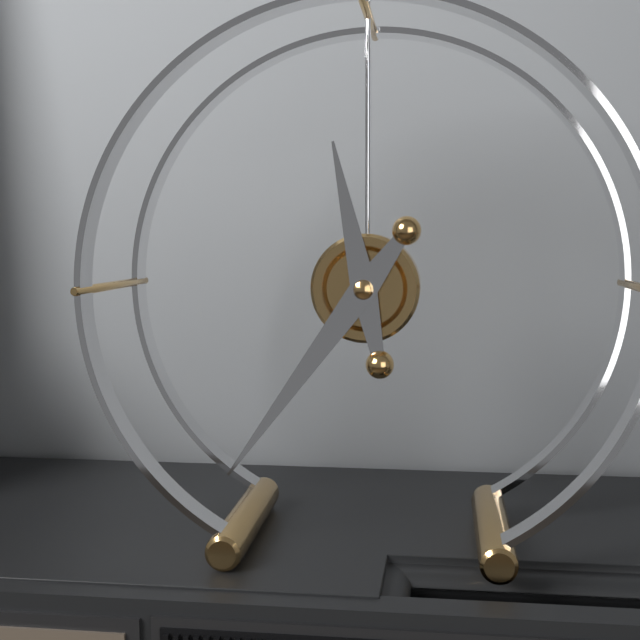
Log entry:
**11:36**
